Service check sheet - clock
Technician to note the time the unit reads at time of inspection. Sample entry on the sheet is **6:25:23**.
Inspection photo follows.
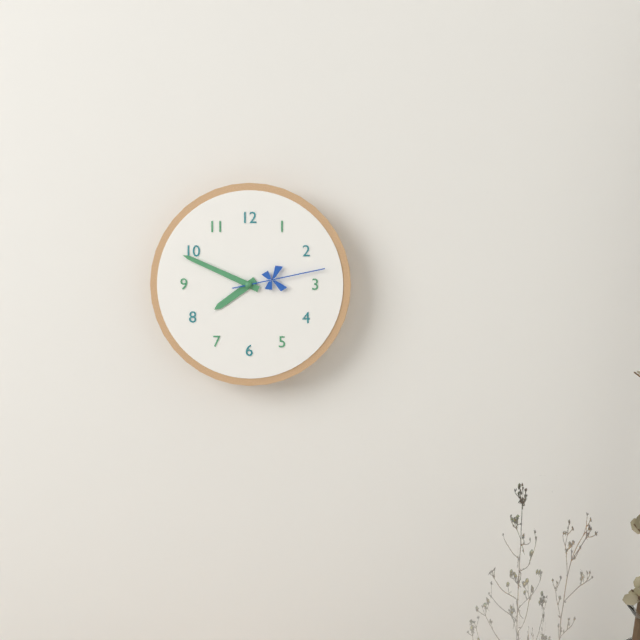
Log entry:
**7:49:13**
